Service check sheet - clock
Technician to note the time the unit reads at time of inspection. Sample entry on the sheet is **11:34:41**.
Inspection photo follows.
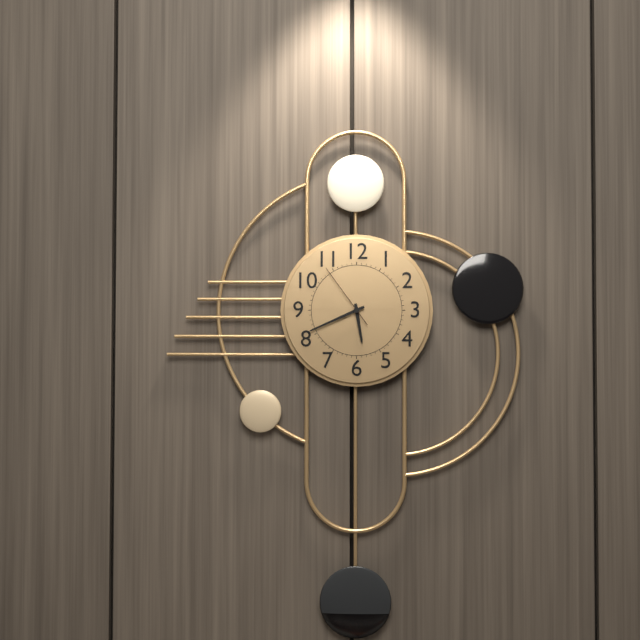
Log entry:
**5:41:54**
